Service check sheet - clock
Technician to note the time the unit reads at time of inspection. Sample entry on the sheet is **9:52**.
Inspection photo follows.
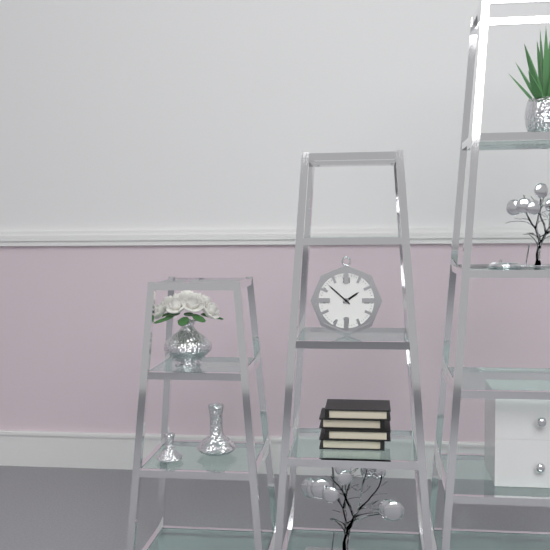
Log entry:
**1:52**
